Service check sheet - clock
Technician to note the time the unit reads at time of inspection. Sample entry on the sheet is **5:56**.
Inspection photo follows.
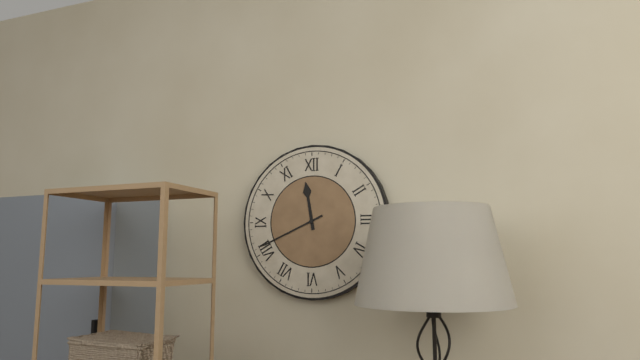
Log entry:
**11:41**
